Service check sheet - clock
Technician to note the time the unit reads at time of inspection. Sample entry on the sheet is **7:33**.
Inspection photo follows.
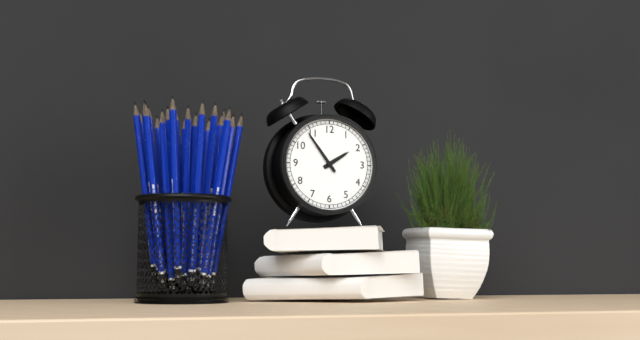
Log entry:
**1:54**
